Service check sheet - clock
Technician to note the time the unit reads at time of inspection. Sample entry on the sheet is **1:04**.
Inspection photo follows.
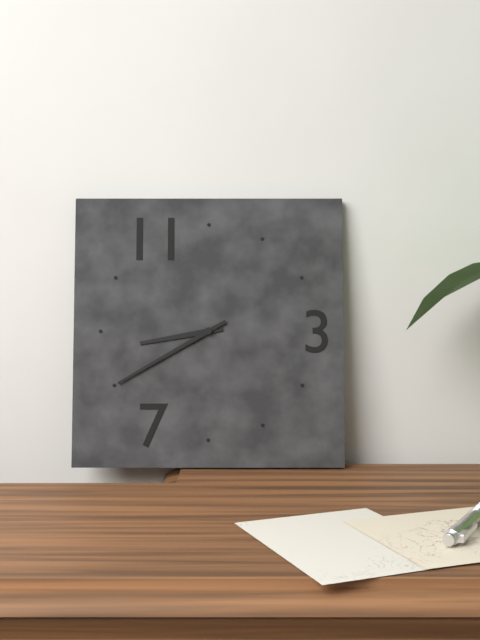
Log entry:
**8:40**
